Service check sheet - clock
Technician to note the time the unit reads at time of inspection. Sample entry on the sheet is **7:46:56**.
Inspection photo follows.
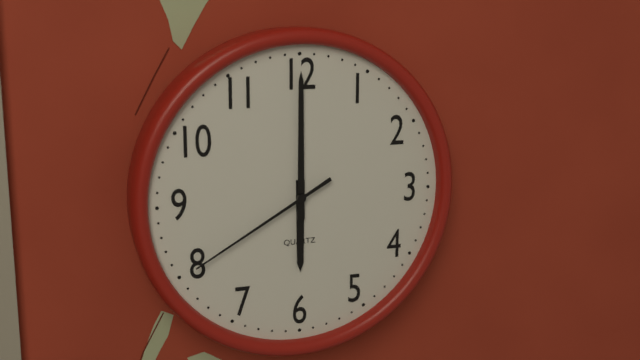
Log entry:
**6:00:40**
